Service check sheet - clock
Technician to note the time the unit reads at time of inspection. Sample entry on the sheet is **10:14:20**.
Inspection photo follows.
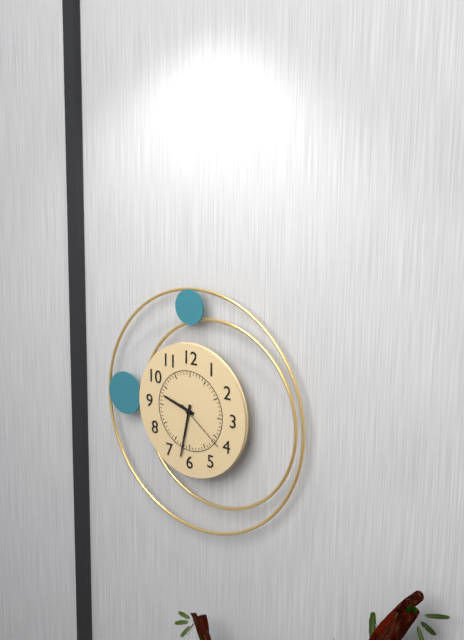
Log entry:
**9:32:21**
